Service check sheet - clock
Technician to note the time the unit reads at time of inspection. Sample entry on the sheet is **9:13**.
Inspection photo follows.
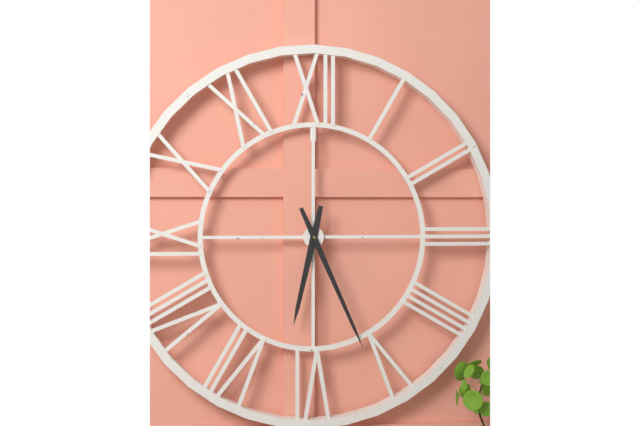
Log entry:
**6:26**
